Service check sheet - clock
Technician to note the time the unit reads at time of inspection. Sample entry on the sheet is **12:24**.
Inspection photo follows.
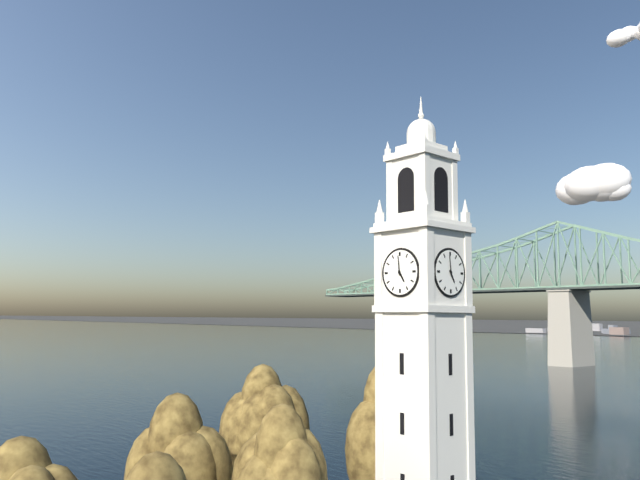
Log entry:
**4:59**
